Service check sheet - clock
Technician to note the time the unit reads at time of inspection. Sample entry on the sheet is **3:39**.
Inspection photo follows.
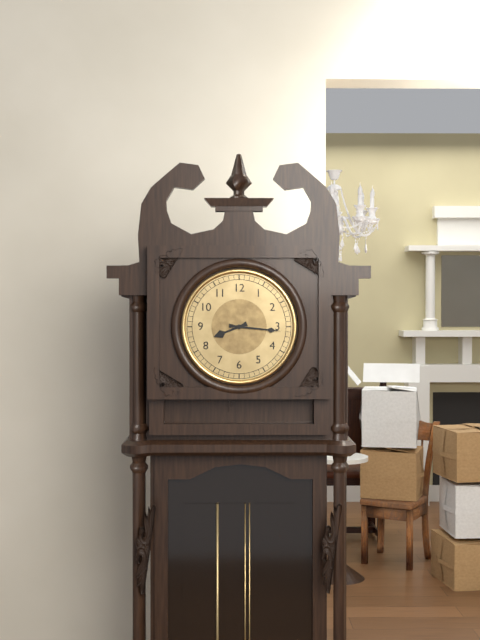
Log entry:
**8:16**
